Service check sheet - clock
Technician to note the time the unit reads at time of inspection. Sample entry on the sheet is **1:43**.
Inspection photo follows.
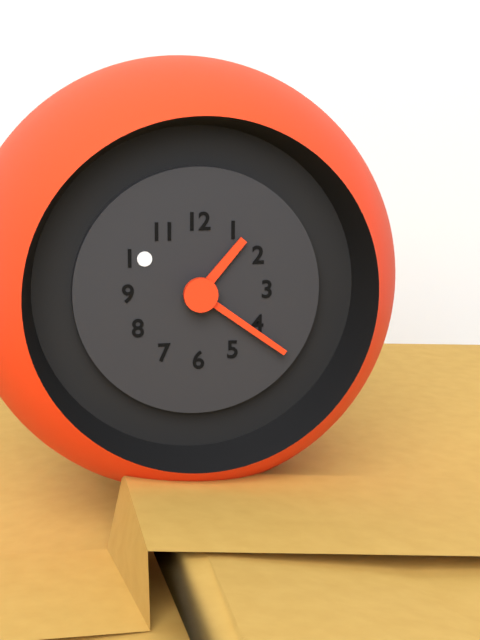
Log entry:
**1:21**
